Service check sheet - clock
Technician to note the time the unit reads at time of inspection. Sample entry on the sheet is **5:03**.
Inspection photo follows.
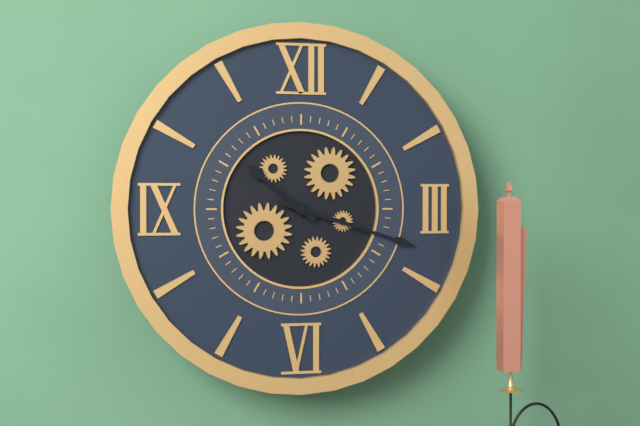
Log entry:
**10:18**
